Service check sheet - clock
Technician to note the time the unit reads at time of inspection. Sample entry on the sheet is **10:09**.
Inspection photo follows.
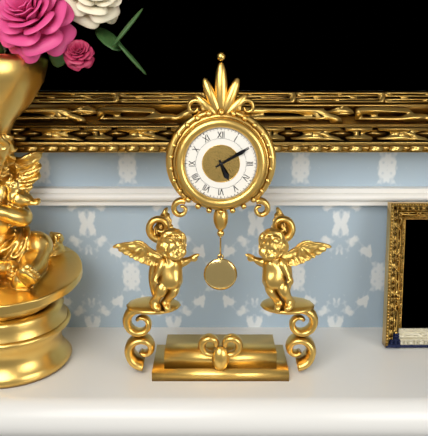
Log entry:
**5:10**
